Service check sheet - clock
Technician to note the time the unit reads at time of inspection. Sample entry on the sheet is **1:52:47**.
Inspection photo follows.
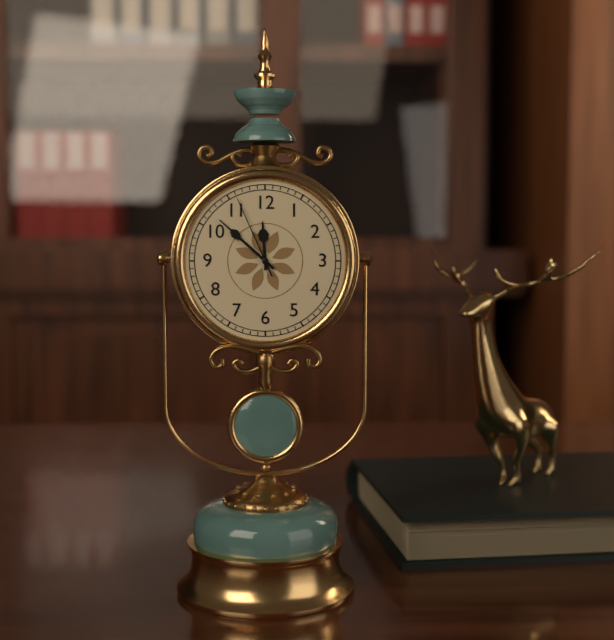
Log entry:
**11:52:56**
